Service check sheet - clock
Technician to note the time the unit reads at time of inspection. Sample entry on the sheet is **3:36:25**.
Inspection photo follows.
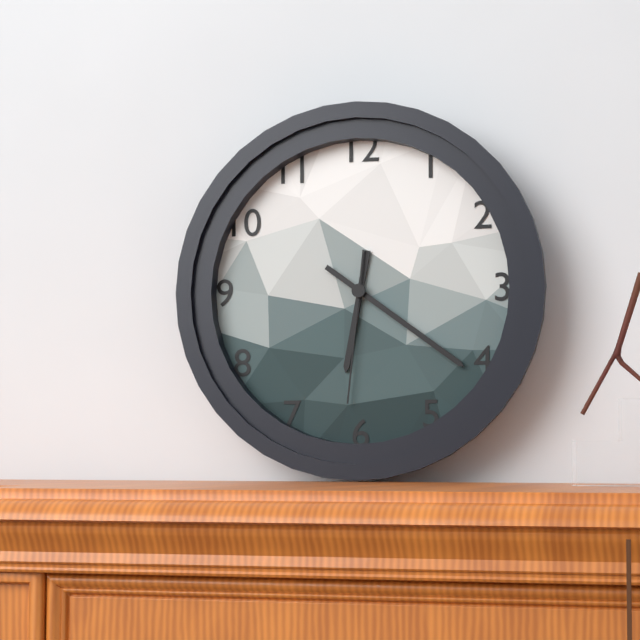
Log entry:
**6:21:31**
